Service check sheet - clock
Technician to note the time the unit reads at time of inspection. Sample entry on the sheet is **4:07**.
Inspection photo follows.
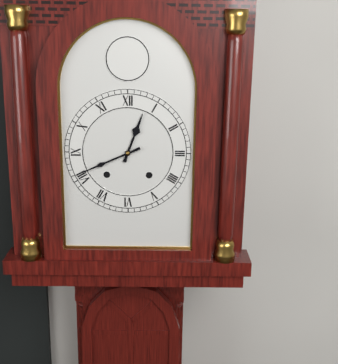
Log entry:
**12:41**
